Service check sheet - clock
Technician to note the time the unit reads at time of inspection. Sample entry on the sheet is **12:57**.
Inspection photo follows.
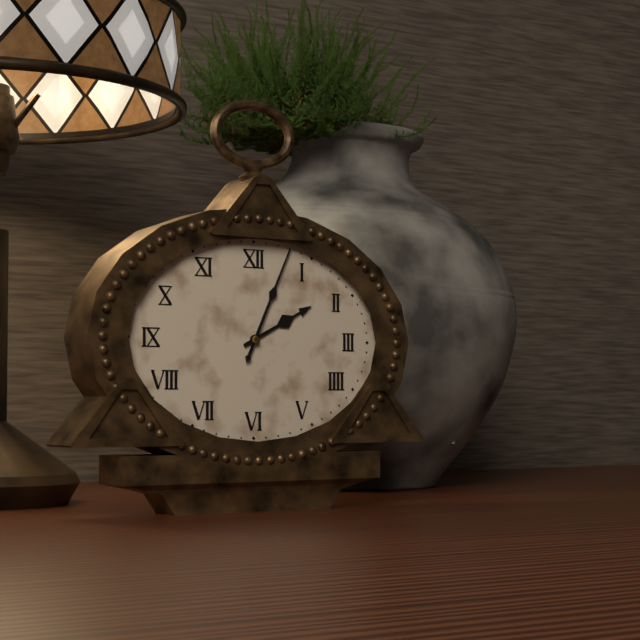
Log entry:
**2:04**
